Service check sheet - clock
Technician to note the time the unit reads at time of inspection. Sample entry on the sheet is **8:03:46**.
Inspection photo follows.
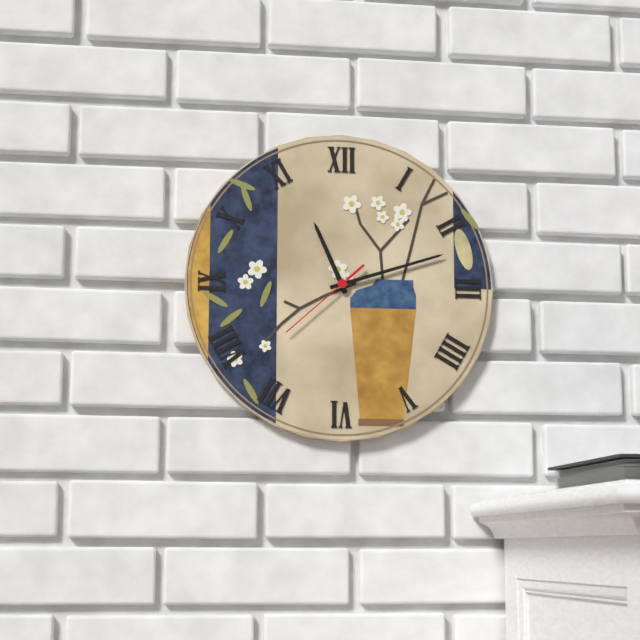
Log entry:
**11:12:38**
